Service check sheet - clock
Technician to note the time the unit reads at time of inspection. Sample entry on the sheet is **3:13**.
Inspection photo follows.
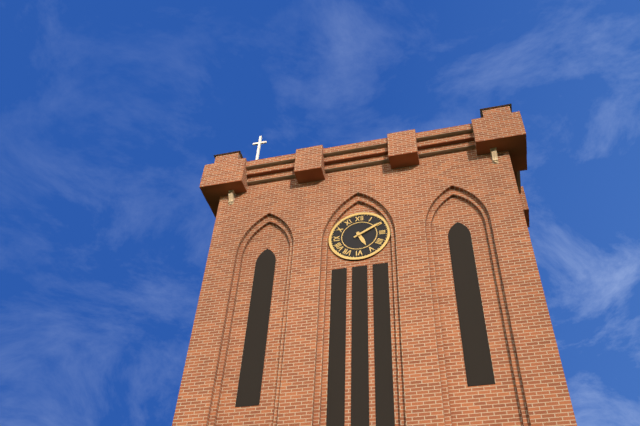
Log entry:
**5:10**
